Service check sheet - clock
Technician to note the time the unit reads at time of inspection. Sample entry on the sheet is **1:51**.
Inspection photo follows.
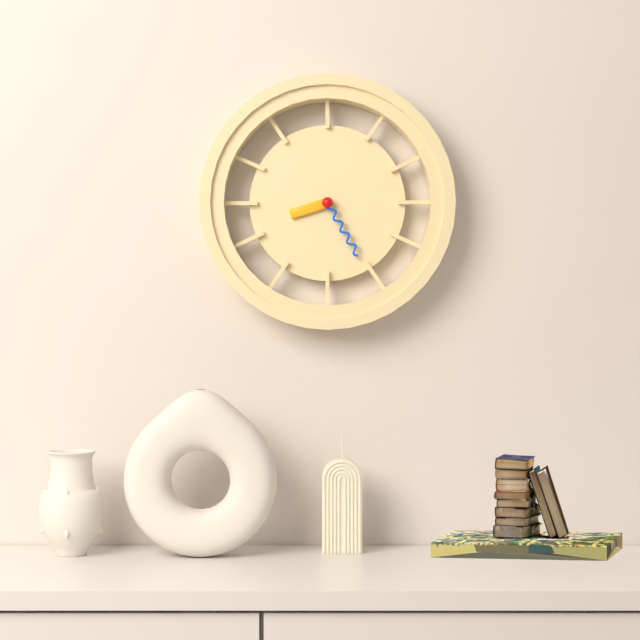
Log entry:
**8:25**
